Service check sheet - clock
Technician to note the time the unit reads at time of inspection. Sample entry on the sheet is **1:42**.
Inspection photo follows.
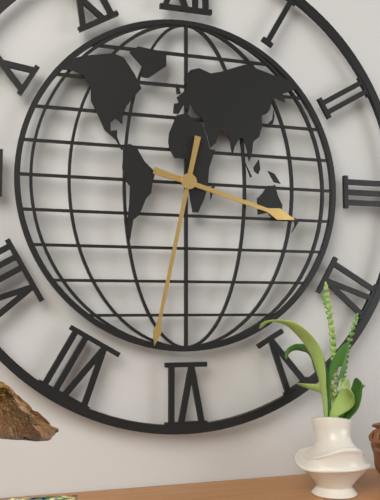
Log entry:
**3:32**
